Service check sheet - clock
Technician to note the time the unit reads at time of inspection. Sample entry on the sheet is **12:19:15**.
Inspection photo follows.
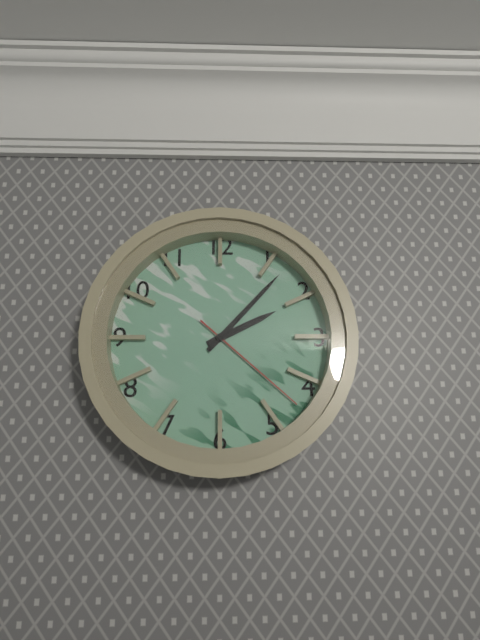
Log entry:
**2:07:22**
